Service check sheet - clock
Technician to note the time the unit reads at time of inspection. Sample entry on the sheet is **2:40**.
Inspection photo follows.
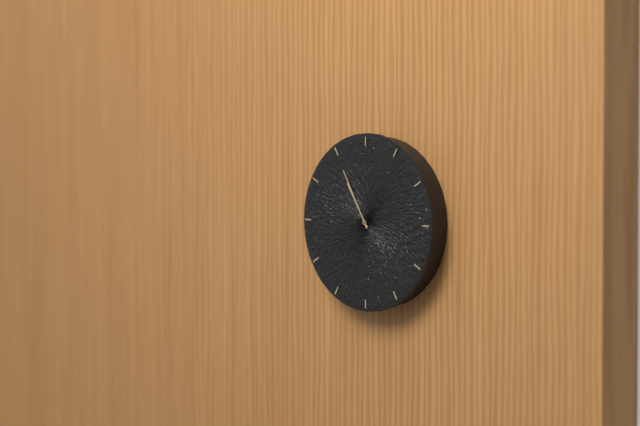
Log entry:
**10:55**
